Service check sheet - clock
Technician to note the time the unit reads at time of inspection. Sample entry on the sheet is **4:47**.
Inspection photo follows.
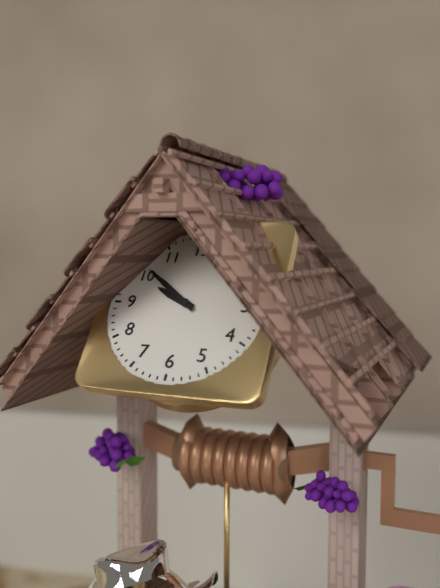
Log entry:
**9:51**
